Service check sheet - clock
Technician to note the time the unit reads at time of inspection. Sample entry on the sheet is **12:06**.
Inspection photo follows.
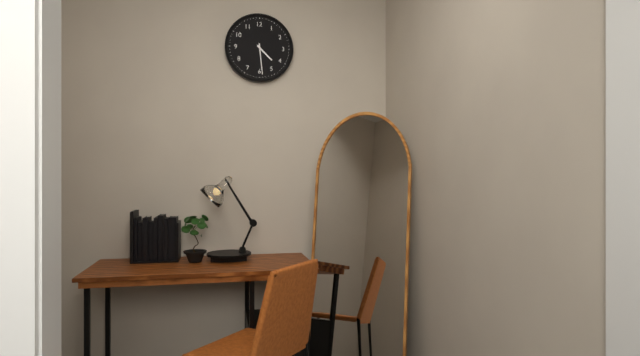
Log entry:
**4:29**
